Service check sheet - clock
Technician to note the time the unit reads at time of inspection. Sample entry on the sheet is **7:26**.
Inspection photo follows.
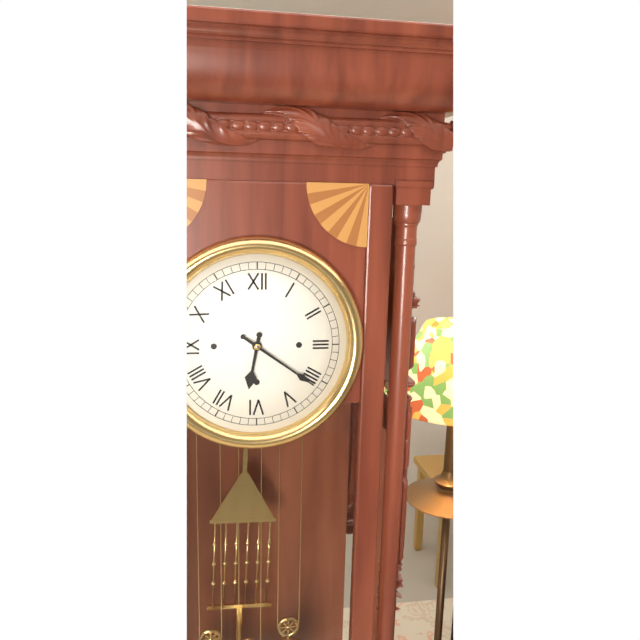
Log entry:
**6:21**
